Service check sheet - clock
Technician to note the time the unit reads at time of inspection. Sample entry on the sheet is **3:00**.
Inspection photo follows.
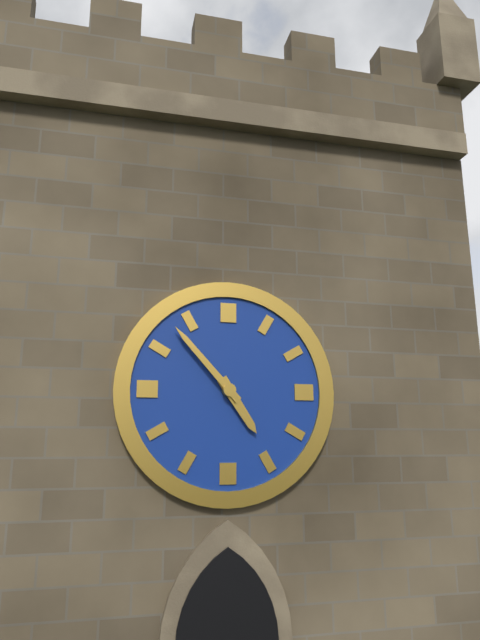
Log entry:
**4:53**
